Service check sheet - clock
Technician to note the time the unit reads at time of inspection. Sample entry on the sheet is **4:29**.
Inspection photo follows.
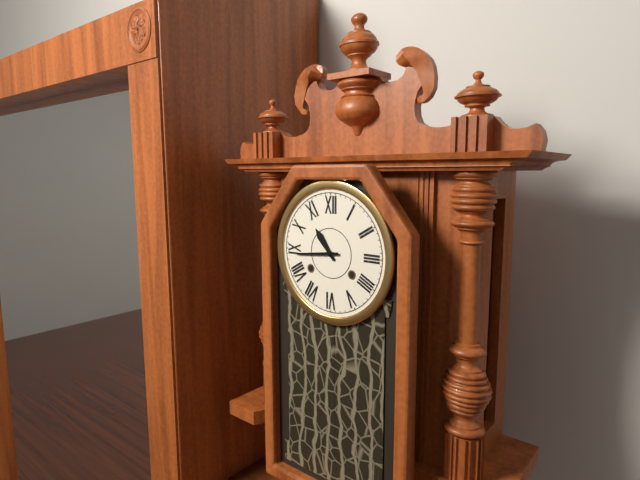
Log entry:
**10:44**
